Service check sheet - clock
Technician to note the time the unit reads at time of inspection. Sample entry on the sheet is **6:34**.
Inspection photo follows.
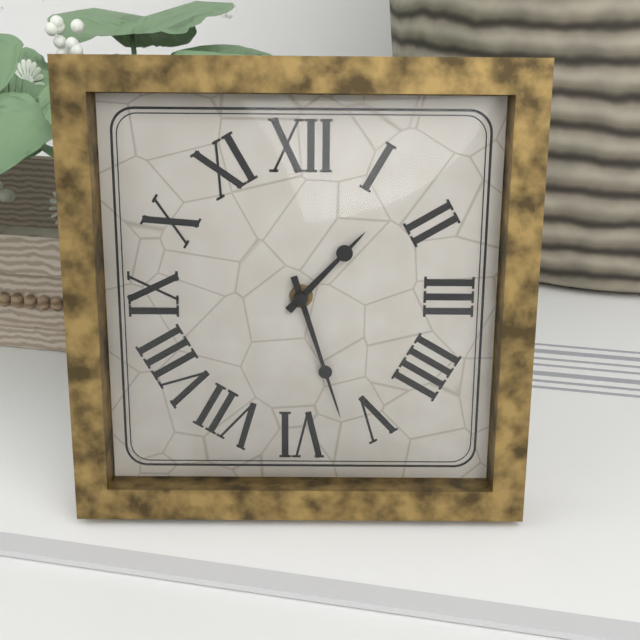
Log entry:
**1:27**
